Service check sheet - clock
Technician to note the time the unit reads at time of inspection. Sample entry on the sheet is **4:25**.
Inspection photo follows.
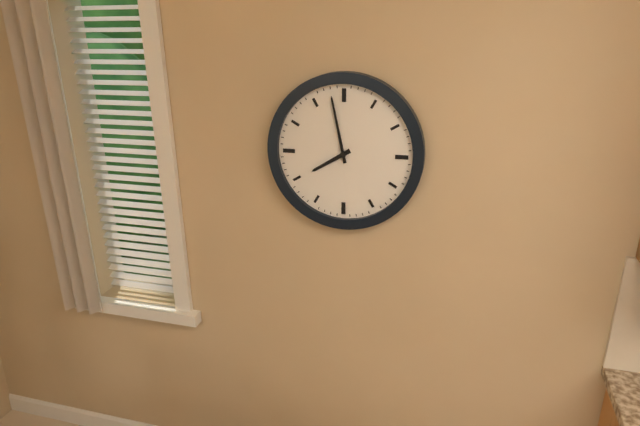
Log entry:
**7:58**
